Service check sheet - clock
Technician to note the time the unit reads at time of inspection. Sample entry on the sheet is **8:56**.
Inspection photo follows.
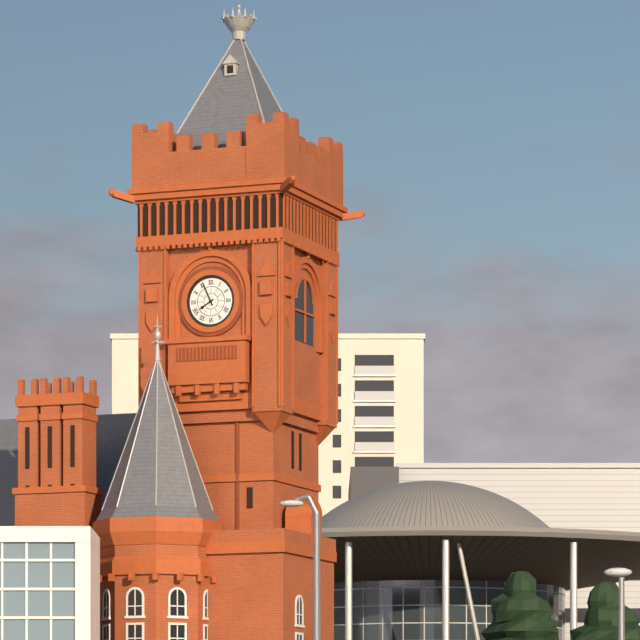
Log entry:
**7:56**
